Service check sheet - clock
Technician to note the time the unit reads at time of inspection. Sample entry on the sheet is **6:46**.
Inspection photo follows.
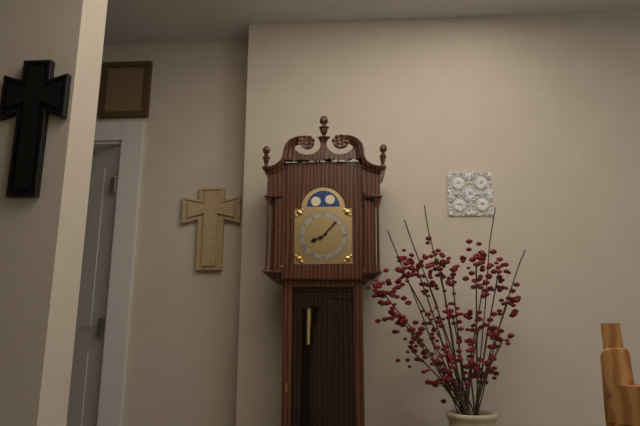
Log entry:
**8:07**
